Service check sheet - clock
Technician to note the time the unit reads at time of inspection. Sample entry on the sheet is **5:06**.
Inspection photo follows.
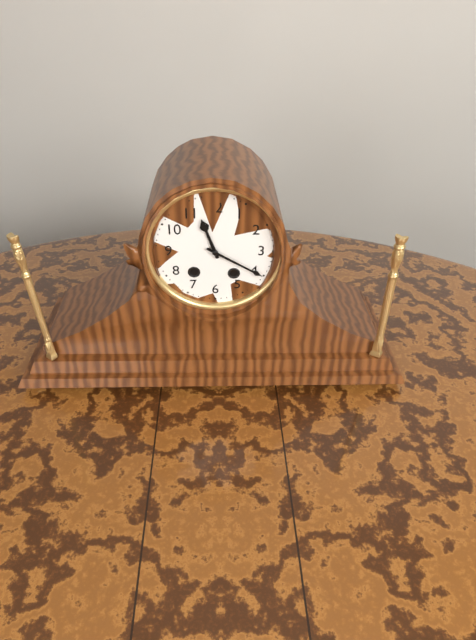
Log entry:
**11:20**
